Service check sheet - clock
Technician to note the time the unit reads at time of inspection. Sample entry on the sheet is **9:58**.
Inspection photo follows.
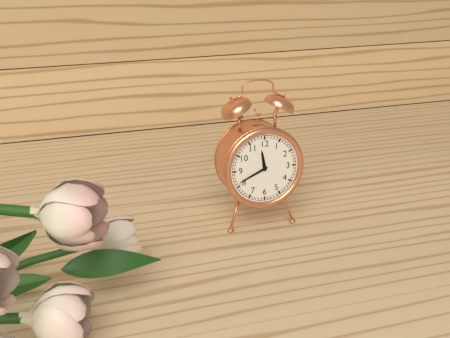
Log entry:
**11:41**
